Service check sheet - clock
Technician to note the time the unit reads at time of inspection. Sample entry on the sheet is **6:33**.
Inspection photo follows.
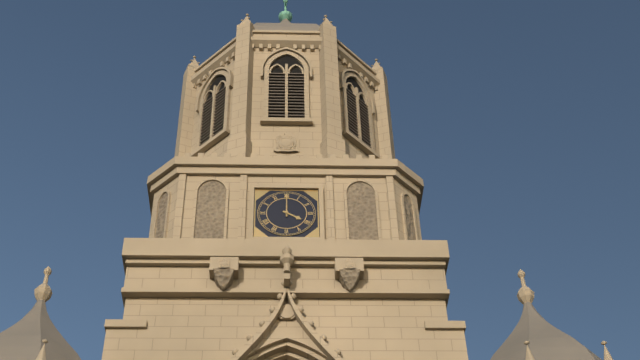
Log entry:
**4:00**
